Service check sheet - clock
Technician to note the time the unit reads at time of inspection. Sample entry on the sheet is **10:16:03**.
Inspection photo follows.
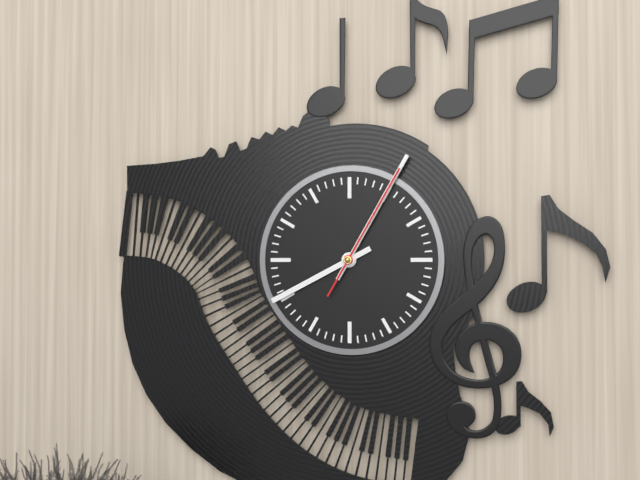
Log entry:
**8:05:05**
